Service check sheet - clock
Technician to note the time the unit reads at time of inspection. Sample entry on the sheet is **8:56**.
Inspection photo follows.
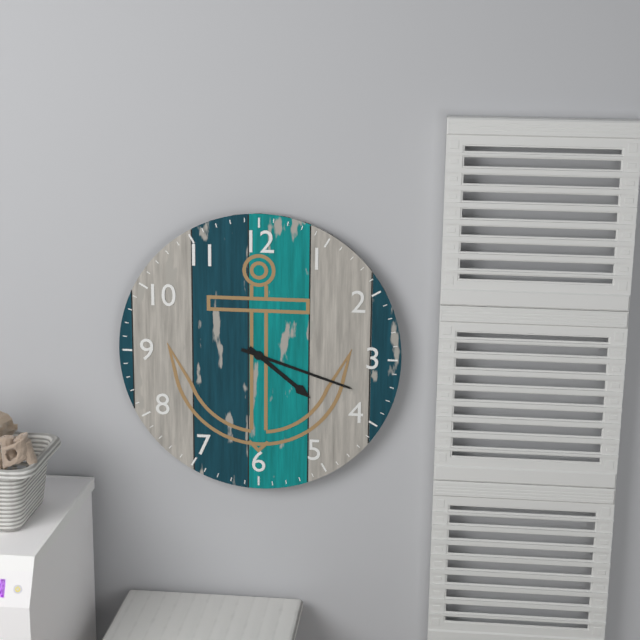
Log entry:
**4:18**
